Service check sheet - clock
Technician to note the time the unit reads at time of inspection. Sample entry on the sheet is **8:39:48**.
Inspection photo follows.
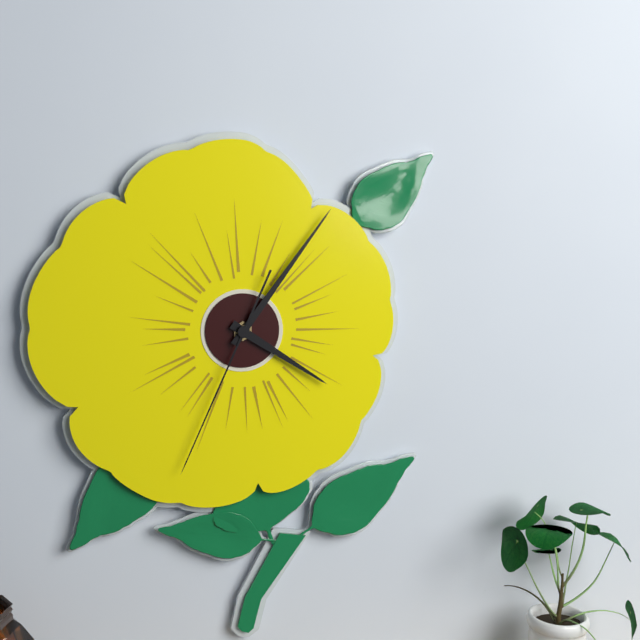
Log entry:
**4:06:34**
